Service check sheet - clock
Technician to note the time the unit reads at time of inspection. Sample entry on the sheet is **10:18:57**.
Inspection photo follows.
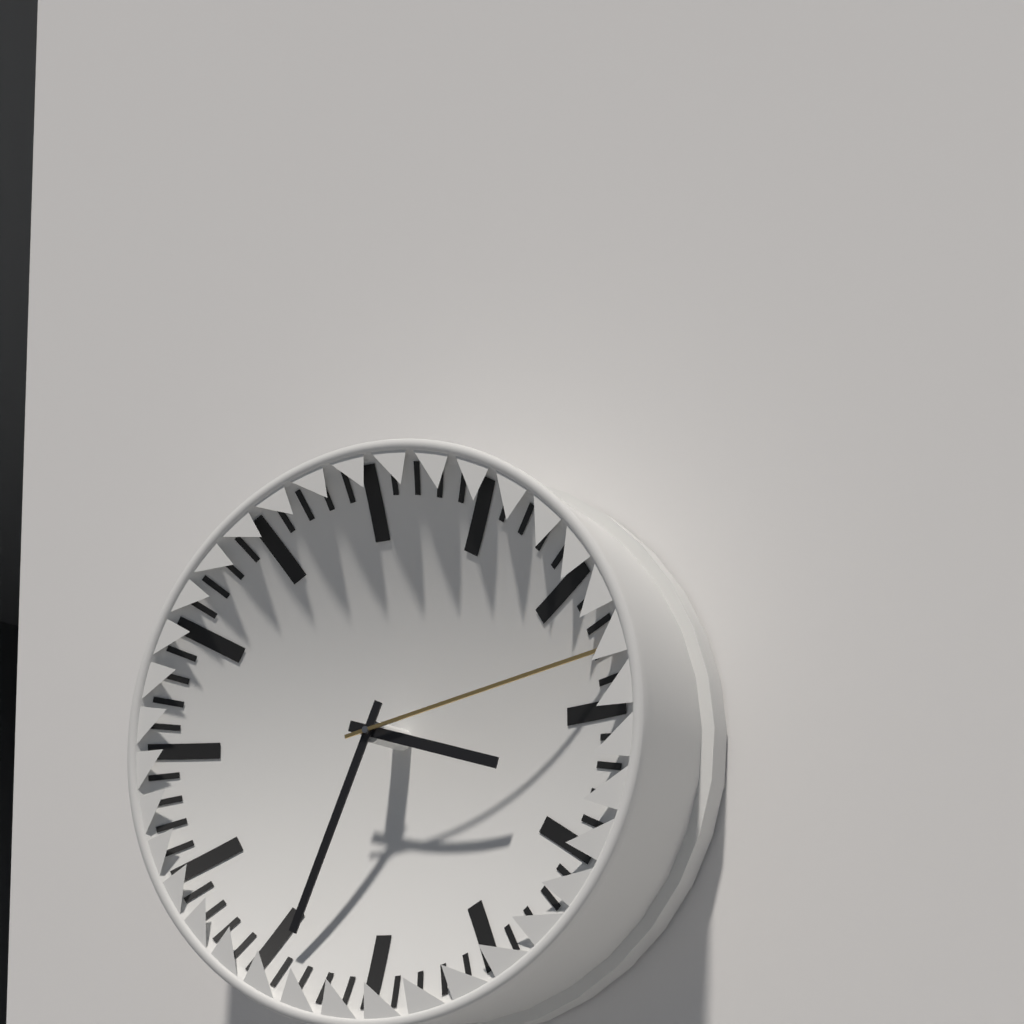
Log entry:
**3:34:13**
